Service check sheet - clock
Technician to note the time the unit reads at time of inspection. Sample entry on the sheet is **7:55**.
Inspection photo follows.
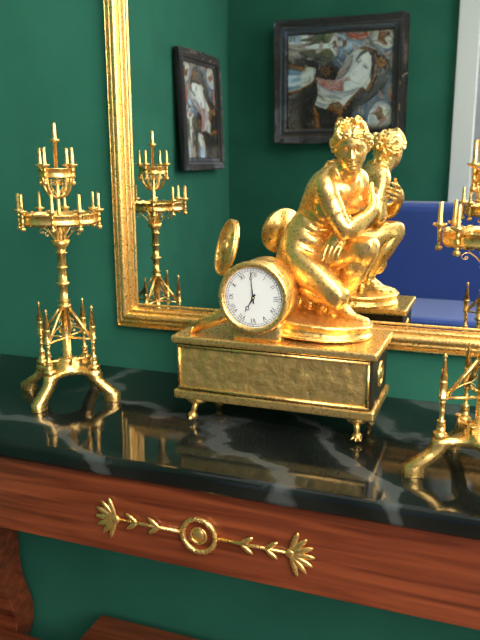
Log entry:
**6:59**
